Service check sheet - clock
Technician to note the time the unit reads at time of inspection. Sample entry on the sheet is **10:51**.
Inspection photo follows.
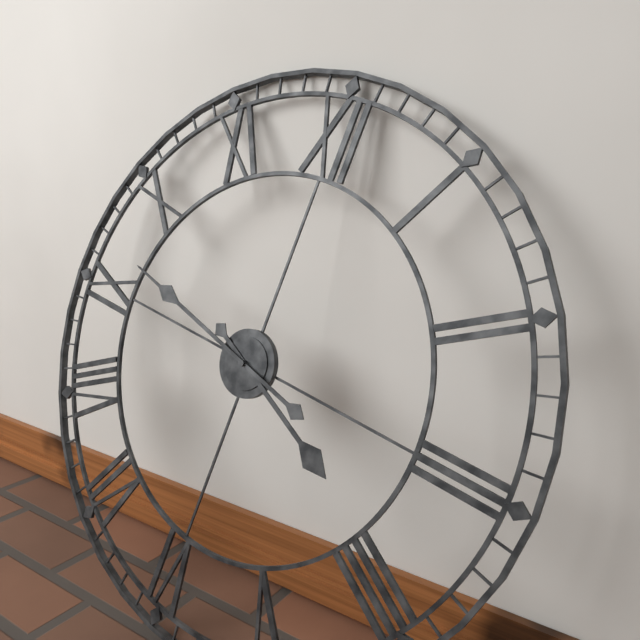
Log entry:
**3:47**
